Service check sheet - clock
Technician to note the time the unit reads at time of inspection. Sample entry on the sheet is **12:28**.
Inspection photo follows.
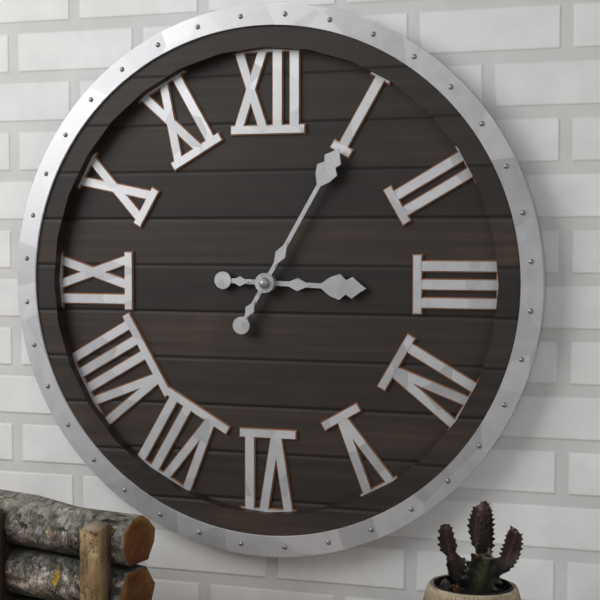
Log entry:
**3:05**
